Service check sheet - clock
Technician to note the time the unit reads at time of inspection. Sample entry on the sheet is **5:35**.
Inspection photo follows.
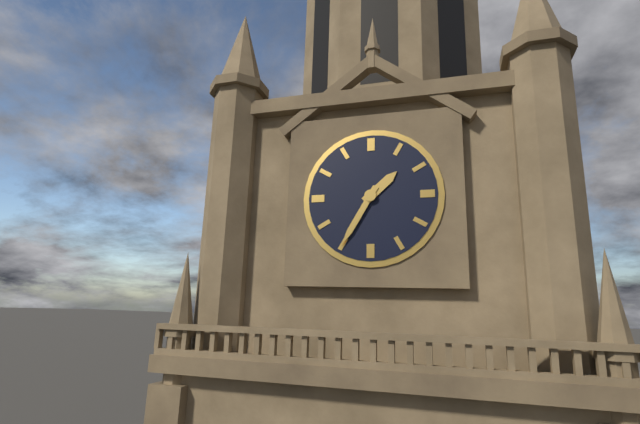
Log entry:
**1:35**
